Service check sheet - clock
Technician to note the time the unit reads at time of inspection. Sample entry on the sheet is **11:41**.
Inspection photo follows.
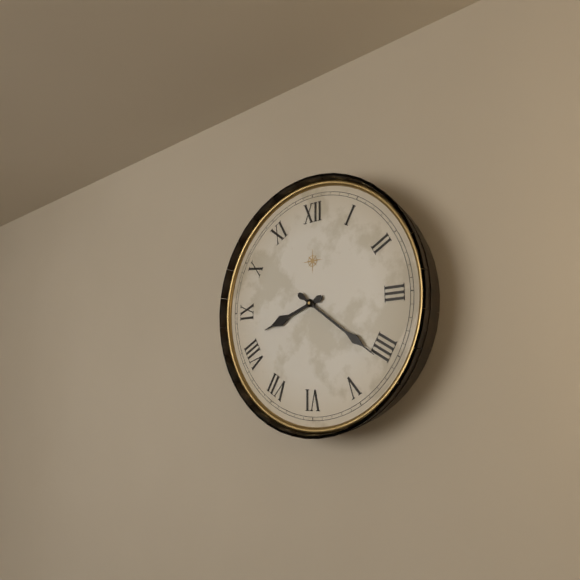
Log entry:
**8:21**
